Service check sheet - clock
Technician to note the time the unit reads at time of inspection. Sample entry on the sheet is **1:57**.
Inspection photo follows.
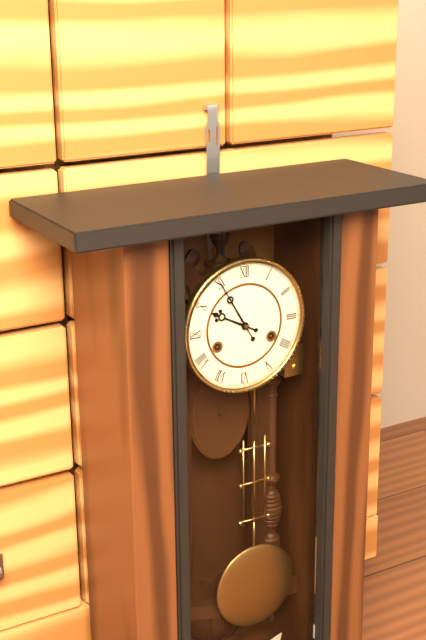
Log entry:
**9:55**
